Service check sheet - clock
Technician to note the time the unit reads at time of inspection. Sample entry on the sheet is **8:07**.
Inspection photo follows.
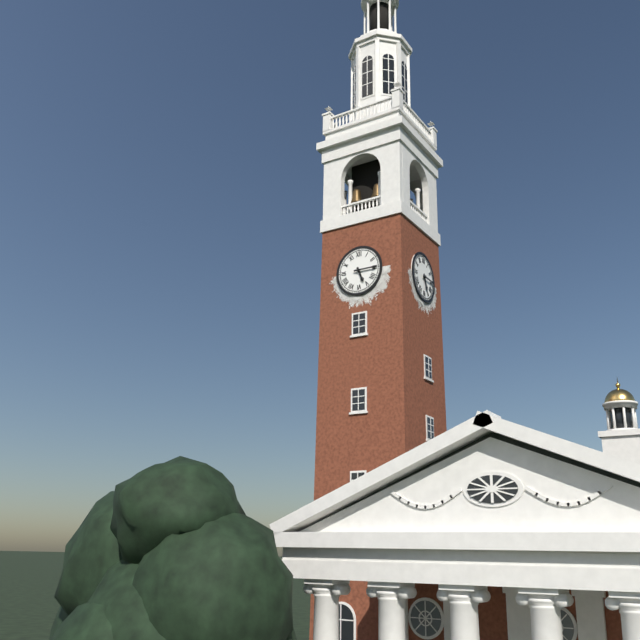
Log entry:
**5:15**
